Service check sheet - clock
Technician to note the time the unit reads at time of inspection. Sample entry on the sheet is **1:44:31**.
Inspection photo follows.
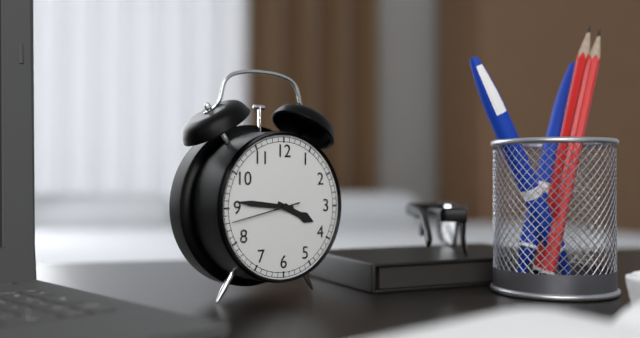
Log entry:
**3:46:43**
